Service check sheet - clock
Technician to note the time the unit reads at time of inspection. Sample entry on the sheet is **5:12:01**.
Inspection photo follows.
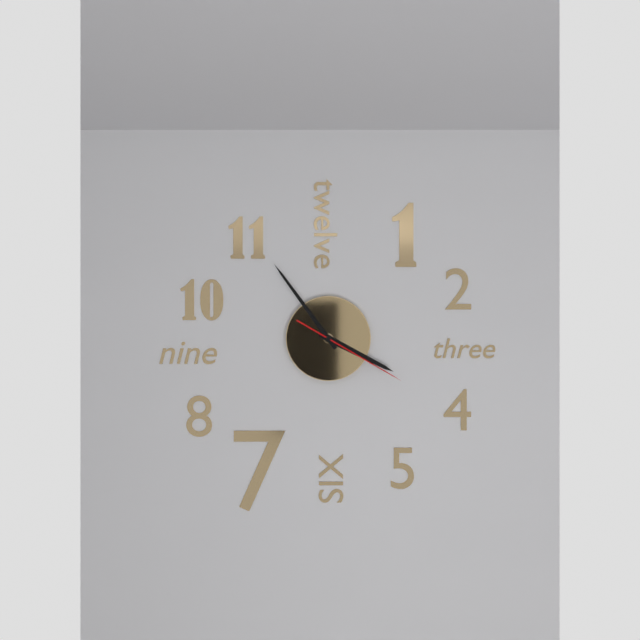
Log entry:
**3:54:20**
